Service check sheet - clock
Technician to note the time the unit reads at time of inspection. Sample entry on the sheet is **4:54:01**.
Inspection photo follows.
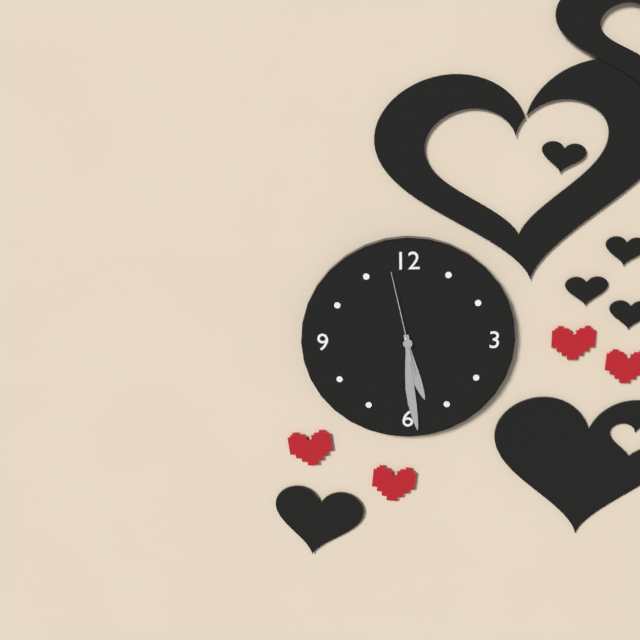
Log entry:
**5:29:58**
